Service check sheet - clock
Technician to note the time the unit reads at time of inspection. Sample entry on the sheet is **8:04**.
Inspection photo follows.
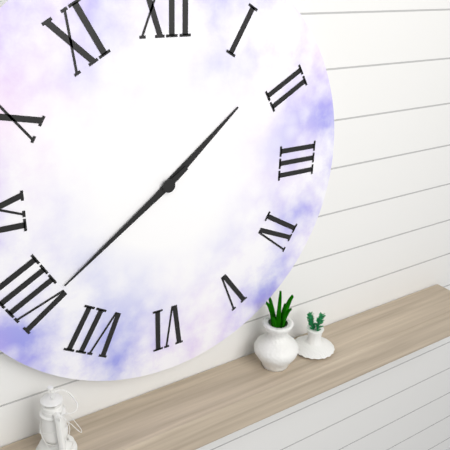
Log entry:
**1:39**
